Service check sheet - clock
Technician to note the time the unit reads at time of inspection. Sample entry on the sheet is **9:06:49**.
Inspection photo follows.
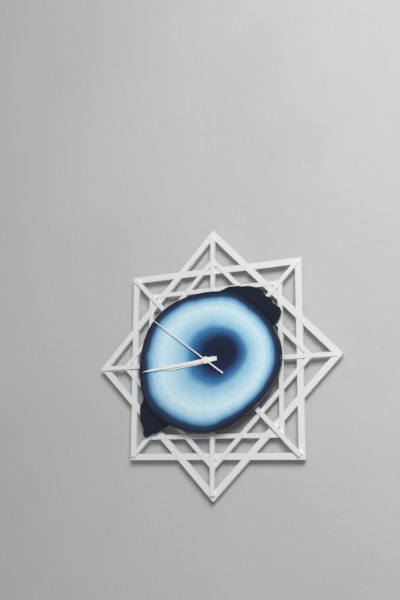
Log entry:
**8:44:51**
